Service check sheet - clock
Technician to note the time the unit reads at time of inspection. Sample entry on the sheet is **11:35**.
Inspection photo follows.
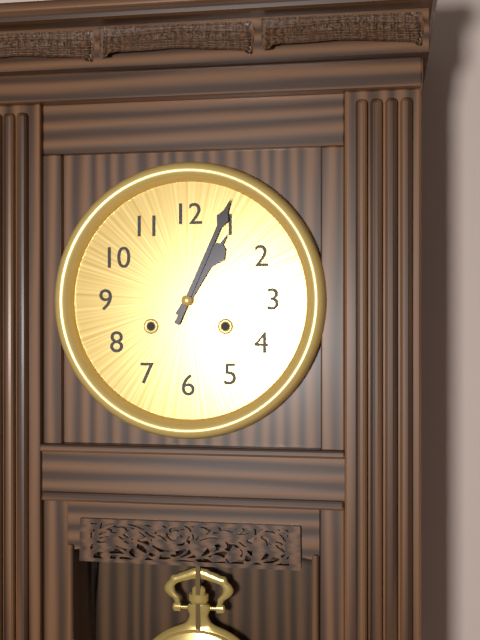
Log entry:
**1:04**
